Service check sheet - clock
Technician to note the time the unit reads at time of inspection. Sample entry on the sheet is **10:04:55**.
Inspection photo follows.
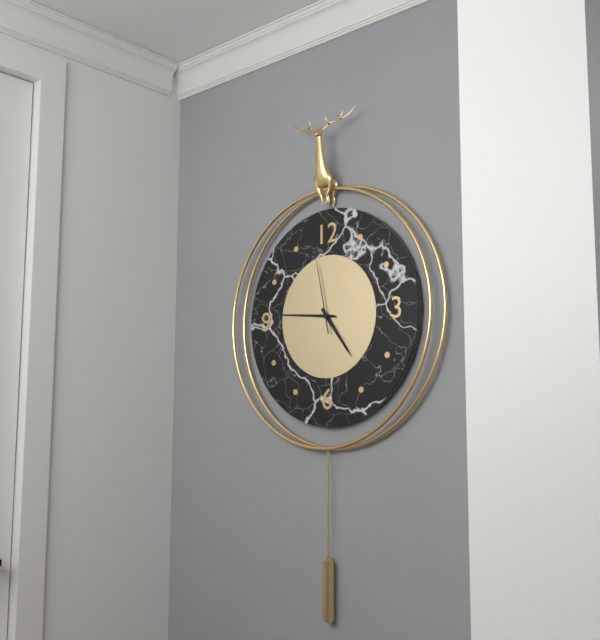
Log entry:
**4:46:58**
